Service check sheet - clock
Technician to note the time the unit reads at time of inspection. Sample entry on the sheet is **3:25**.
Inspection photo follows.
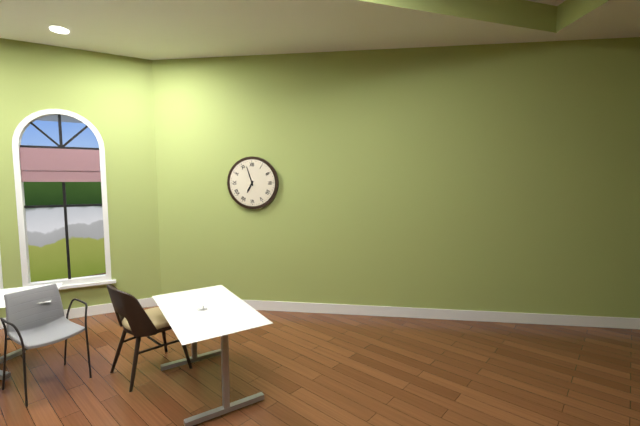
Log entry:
**6:57**
